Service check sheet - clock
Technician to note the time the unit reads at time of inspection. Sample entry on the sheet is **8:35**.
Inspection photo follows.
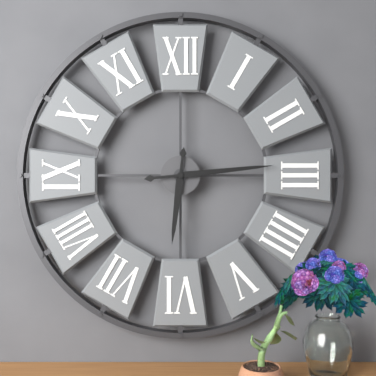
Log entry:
**6:14**
